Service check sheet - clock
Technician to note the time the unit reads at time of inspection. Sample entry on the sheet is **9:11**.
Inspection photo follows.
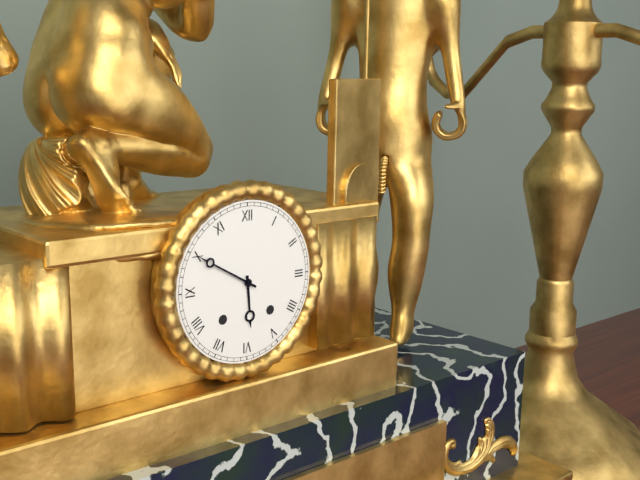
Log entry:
**5:50**
